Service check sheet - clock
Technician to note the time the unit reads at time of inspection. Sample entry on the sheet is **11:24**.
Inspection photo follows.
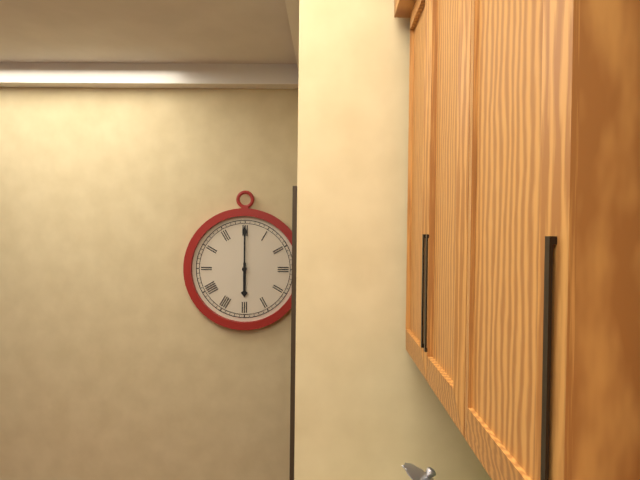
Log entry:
**6:00**
